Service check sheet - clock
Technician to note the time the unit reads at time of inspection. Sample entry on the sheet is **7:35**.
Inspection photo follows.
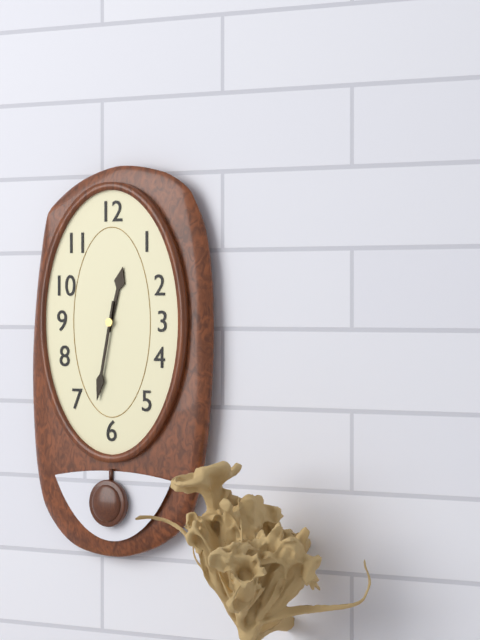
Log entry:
**12:32**
